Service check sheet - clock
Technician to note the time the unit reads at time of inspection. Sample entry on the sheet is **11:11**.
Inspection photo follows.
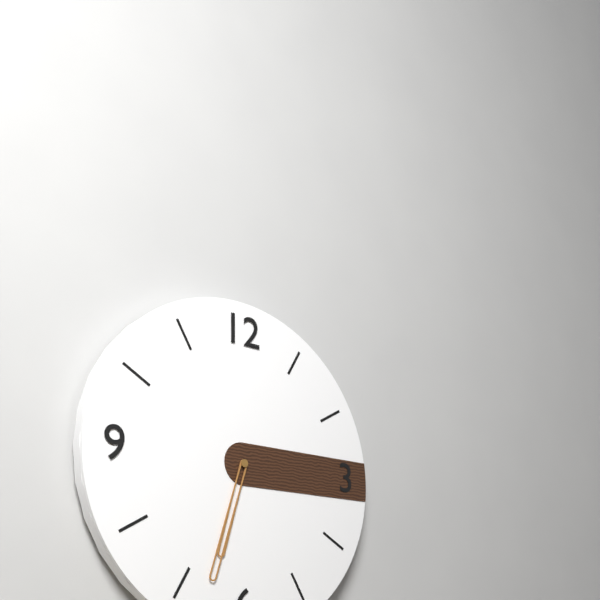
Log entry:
**6:33**
